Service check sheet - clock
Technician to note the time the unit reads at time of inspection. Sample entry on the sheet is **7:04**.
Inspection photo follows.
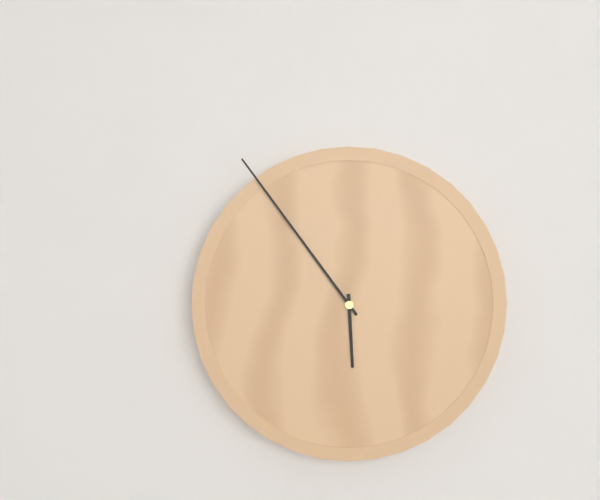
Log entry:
**5:54**
